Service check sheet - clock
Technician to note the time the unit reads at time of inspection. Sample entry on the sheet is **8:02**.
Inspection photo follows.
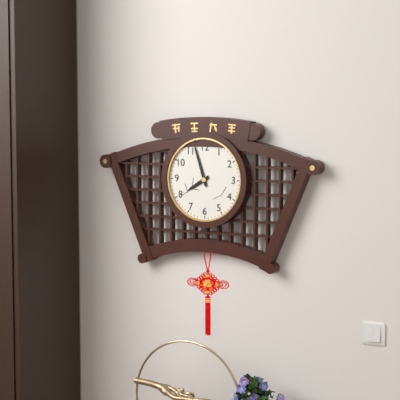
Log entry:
**7:57**
